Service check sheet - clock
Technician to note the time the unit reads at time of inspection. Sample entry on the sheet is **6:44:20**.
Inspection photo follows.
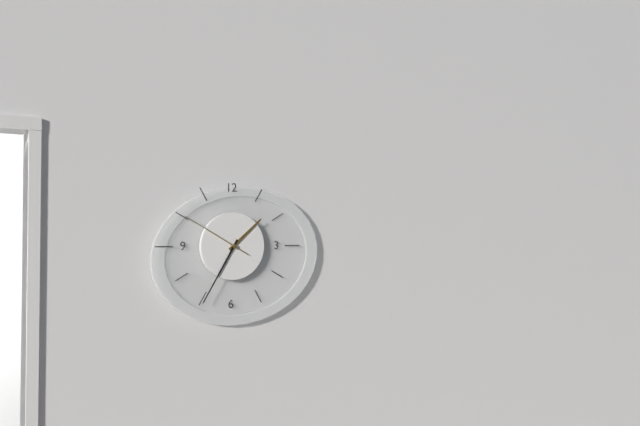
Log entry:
**1:35:50**
